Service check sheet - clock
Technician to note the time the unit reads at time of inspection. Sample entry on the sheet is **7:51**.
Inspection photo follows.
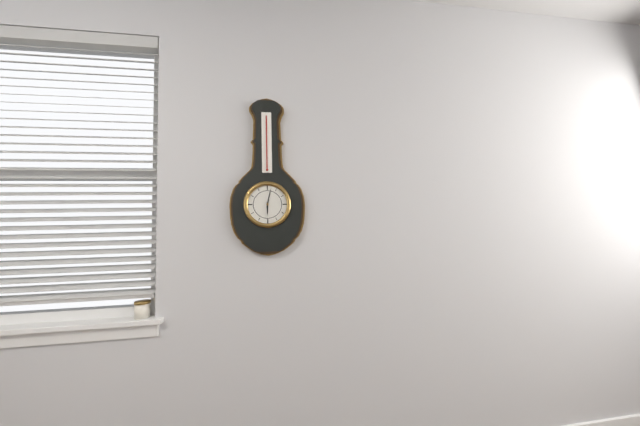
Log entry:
**6:02**
